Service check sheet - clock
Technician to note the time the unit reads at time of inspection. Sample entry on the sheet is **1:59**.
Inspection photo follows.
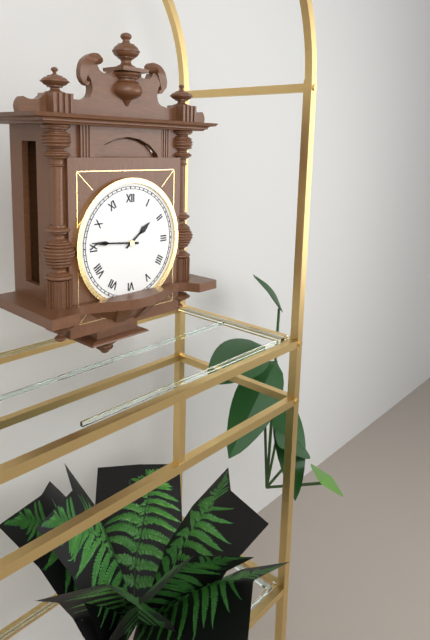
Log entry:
**1:46**
